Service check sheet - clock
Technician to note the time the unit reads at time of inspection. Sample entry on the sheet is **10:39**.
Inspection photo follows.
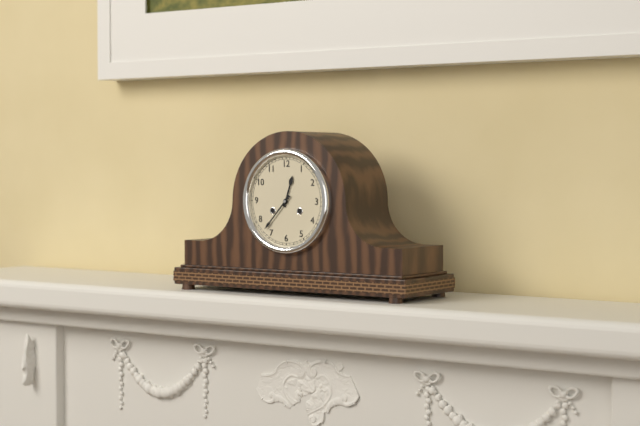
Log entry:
**12:37**
